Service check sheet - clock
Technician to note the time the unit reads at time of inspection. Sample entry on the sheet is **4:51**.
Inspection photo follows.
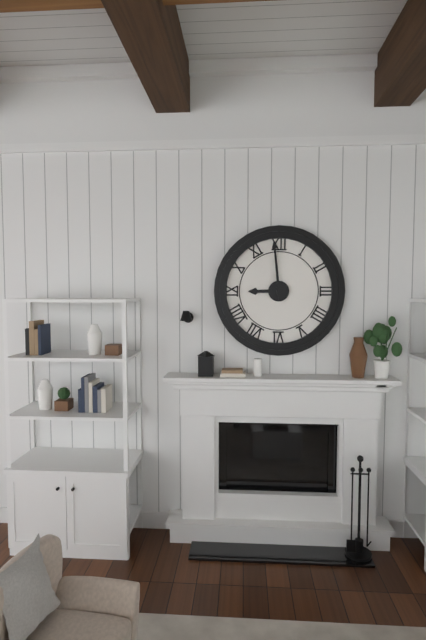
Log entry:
**8:59**
